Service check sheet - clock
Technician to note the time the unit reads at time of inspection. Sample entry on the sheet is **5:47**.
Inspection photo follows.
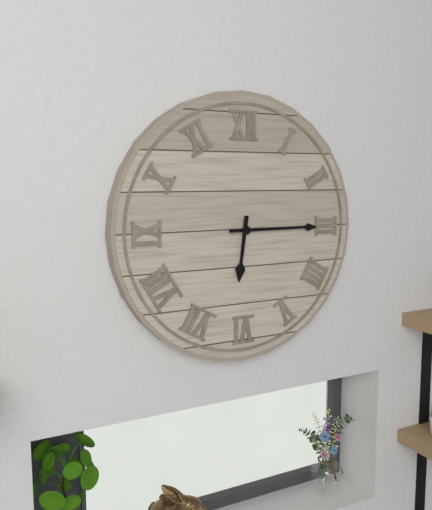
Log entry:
**6:15**
